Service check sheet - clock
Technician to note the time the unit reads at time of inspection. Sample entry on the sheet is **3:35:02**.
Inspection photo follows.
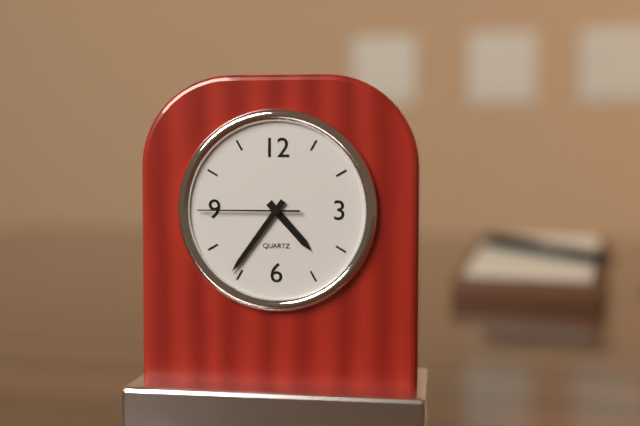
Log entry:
**4:36:45**
